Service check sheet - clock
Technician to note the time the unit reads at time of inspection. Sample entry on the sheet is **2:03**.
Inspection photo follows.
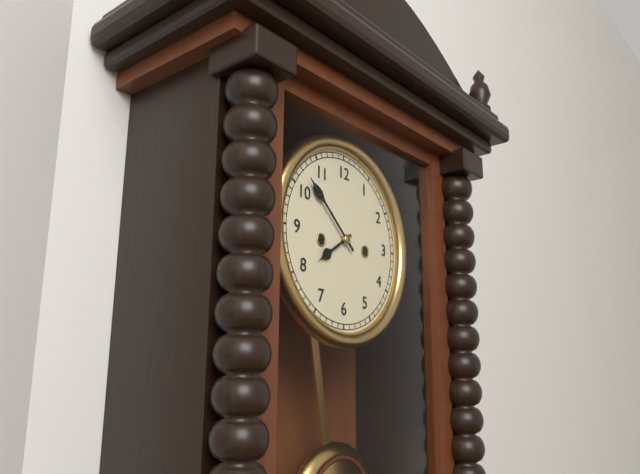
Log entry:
**7:52**
